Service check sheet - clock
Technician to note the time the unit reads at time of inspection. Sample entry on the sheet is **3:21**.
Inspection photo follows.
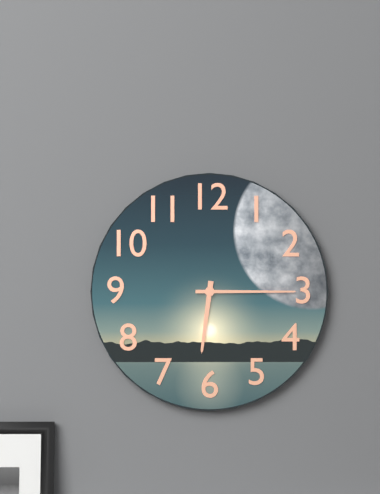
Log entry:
**6:15**
